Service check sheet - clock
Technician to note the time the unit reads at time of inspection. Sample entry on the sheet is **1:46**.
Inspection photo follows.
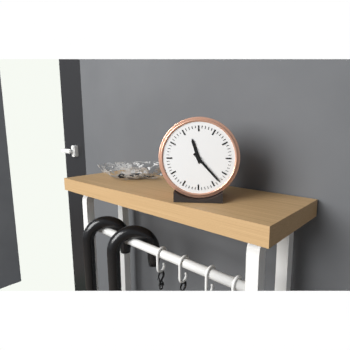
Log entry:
**11:23**
